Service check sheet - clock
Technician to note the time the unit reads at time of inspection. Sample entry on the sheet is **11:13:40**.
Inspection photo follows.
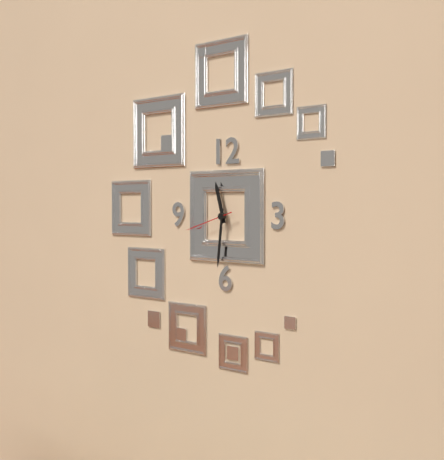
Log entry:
**11:31:42**
